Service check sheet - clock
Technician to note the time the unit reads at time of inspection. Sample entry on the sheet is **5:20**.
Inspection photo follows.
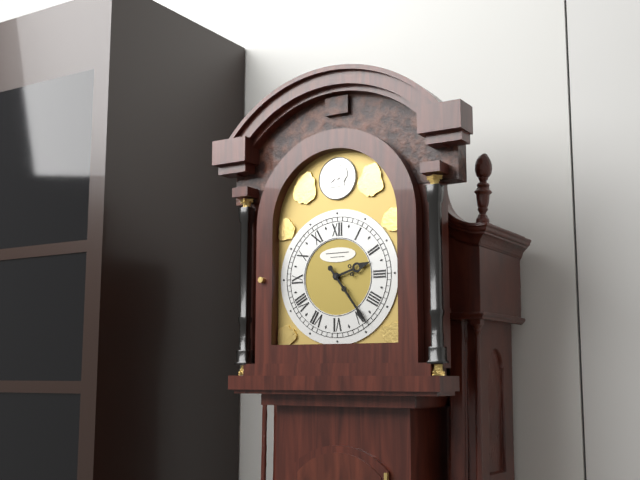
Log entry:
**2:24**
